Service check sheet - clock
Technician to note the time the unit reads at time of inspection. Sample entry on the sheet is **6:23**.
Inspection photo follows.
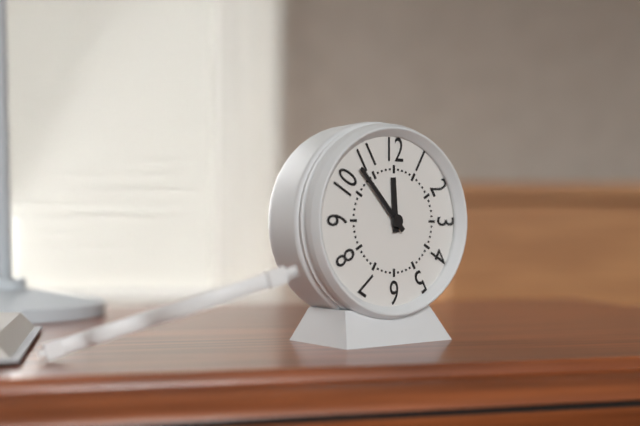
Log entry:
**11:53**
